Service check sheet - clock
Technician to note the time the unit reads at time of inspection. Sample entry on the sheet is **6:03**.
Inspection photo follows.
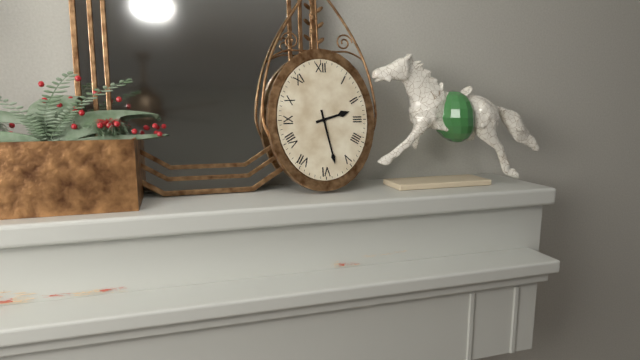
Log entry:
**2:28**
